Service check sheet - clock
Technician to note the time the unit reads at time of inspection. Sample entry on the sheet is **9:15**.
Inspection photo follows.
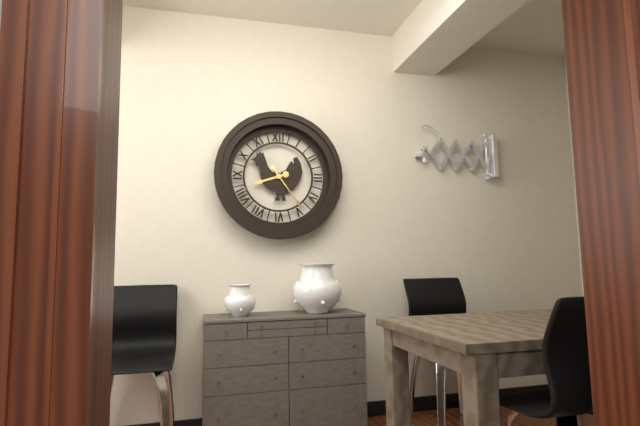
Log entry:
**8:24**
